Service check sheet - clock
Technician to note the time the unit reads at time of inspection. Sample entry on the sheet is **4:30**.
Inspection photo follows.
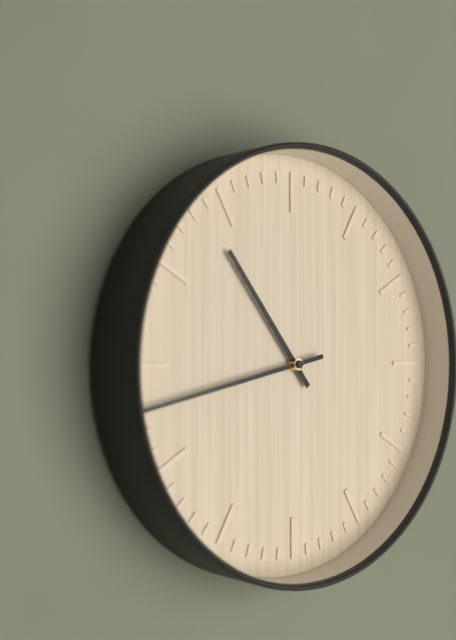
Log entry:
**10:43**
